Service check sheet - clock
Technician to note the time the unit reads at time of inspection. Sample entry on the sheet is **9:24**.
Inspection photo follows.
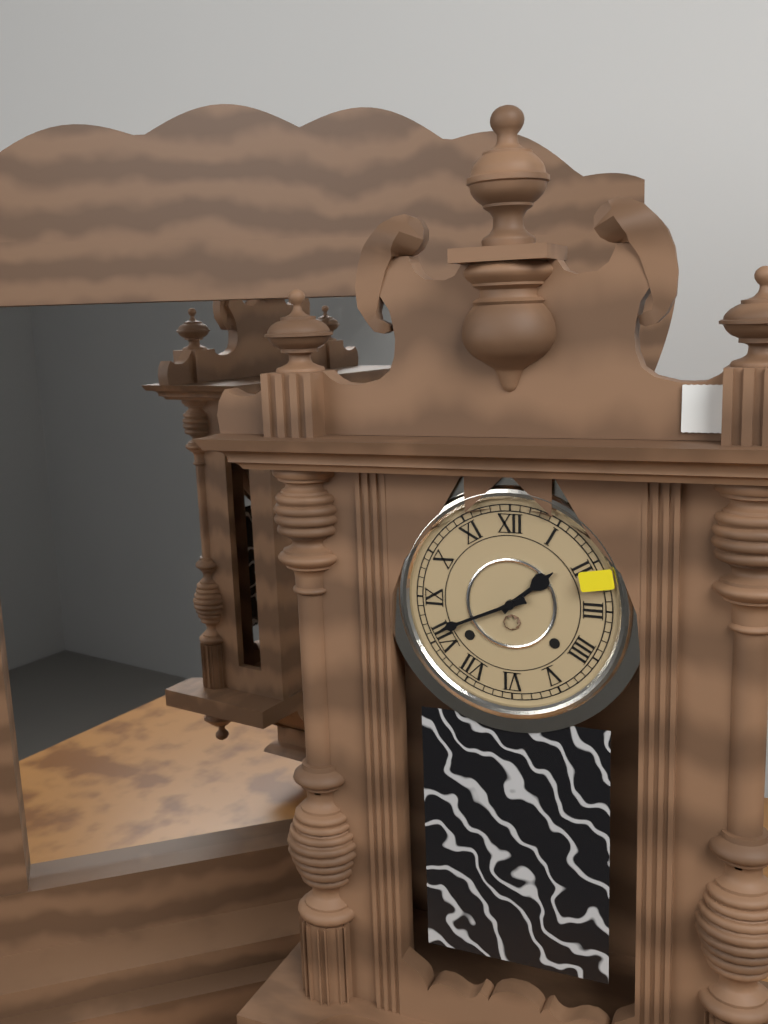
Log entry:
**1:41**
